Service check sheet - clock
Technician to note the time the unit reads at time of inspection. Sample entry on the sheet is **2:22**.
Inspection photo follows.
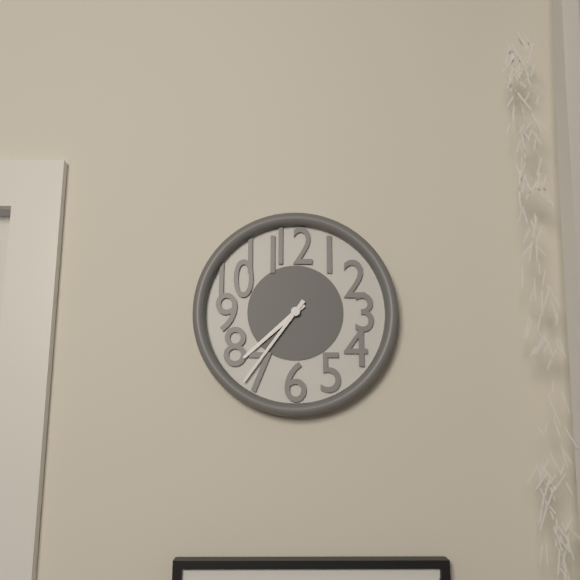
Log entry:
**7:36**
